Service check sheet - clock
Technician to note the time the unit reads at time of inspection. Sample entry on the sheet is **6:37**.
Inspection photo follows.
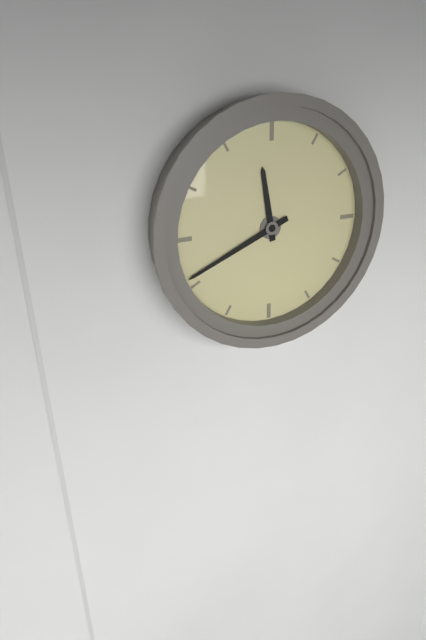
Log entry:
**11:41**
